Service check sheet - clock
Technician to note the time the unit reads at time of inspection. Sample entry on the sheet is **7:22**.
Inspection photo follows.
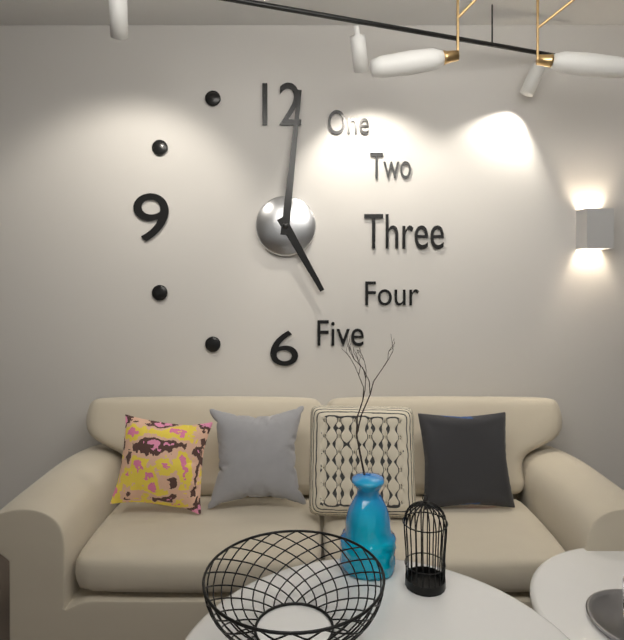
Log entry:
**5:01**
